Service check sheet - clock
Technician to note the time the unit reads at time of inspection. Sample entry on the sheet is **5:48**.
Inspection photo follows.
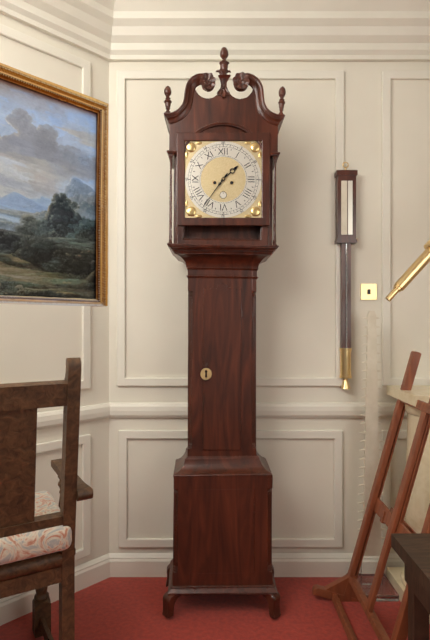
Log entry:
**1:36**
